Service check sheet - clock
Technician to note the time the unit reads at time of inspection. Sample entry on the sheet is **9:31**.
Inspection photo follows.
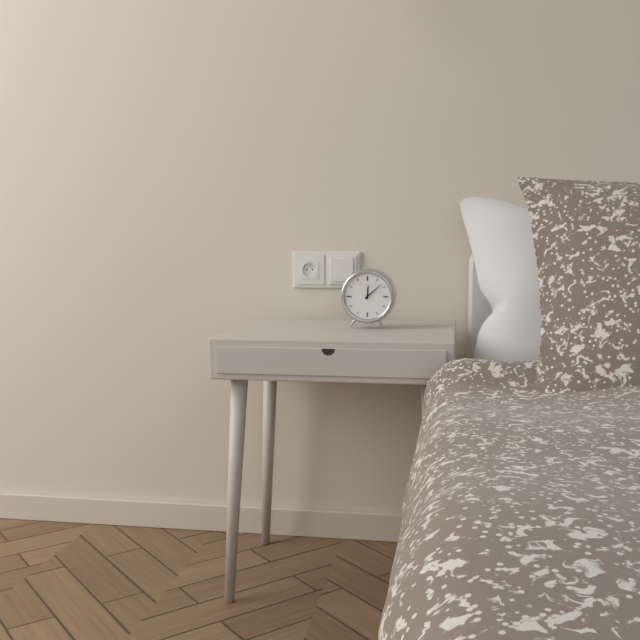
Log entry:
**12:08**
